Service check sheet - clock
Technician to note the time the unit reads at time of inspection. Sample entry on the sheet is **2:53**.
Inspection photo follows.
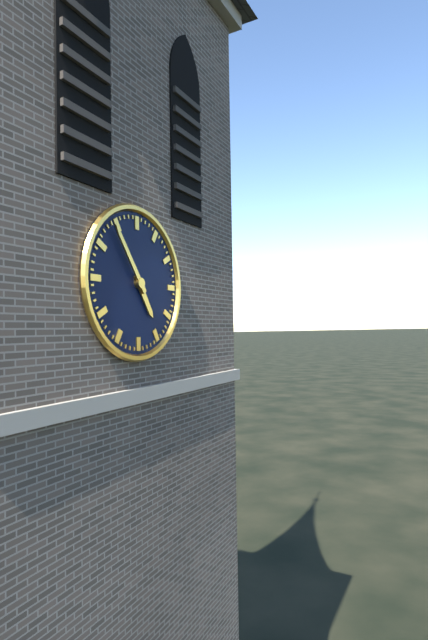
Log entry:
**4:54**
